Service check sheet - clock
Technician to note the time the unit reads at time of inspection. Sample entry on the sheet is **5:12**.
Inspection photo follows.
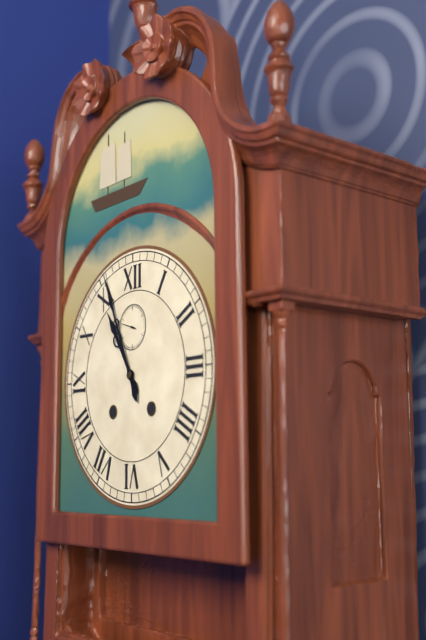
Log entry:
**10:56**
